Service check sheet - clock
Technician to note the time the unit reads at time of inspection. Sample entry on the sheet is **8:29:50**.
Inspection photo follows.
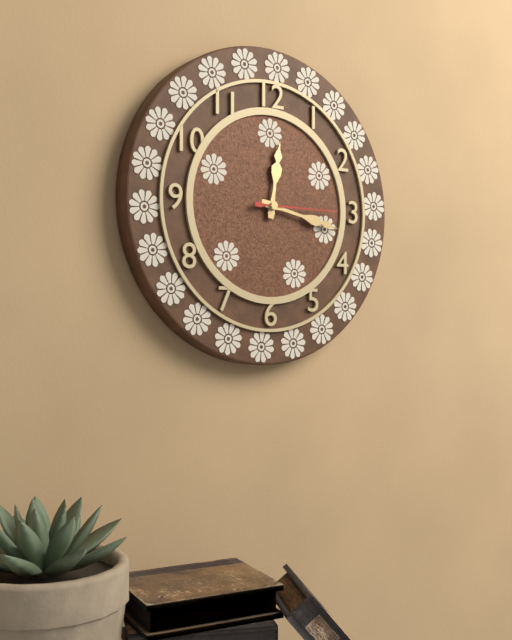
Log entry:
**12:17:15**
